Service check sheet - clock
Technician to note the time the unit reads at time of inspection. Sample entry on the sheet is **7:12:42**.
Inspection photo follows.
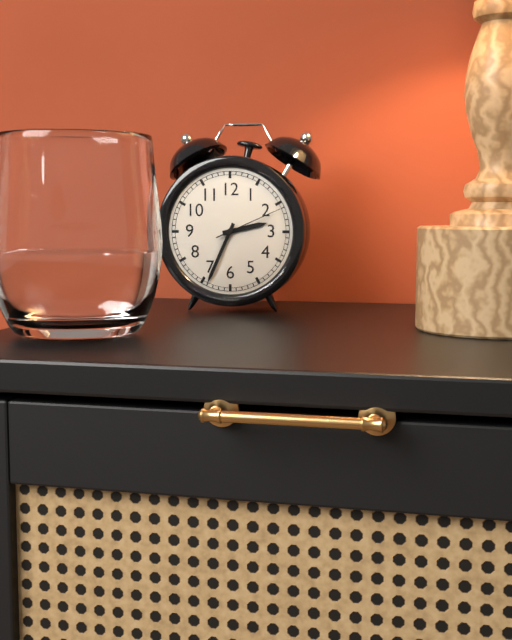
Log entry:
**2:34:11**
